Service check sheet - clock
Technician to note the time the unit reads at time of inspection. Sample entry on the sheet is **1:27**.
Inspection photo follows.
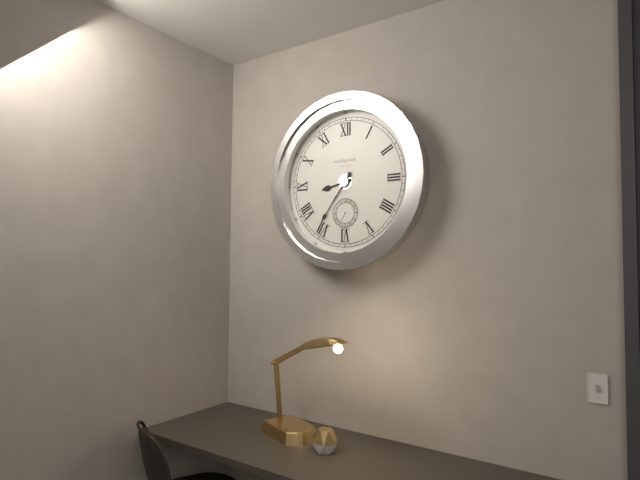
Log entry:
**8:36**
